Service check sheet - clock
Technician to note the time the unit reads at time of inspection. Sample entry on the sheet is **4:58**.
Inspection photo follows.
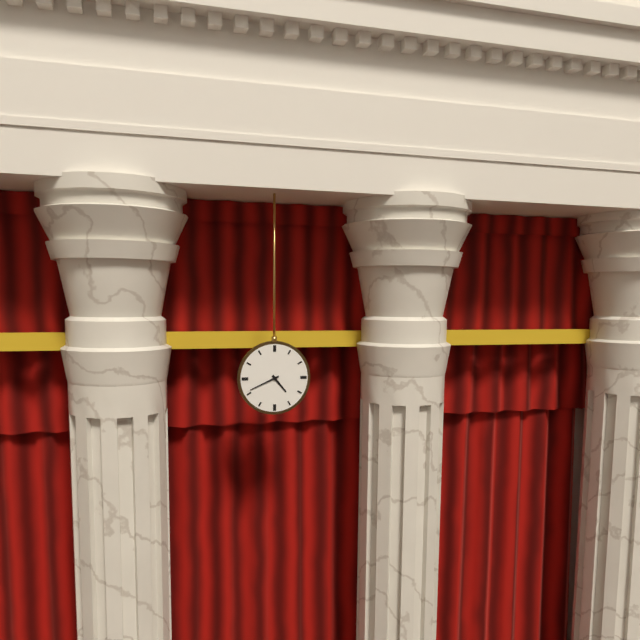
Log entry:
**4:41**
